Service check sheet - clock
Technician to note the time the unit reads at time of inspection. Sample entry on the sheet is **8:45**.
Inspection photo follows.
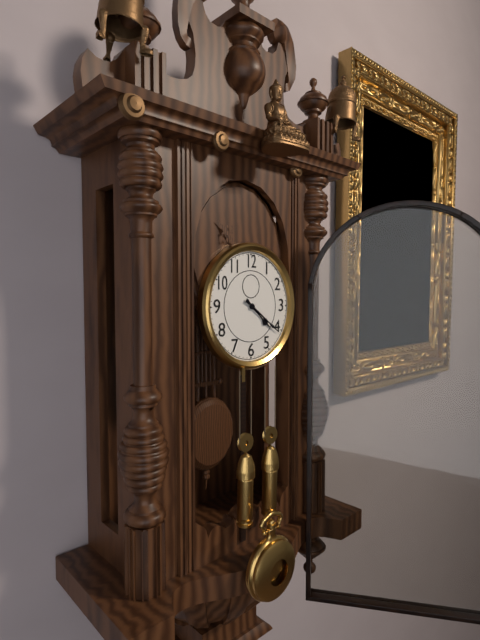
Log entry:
**4:21**
